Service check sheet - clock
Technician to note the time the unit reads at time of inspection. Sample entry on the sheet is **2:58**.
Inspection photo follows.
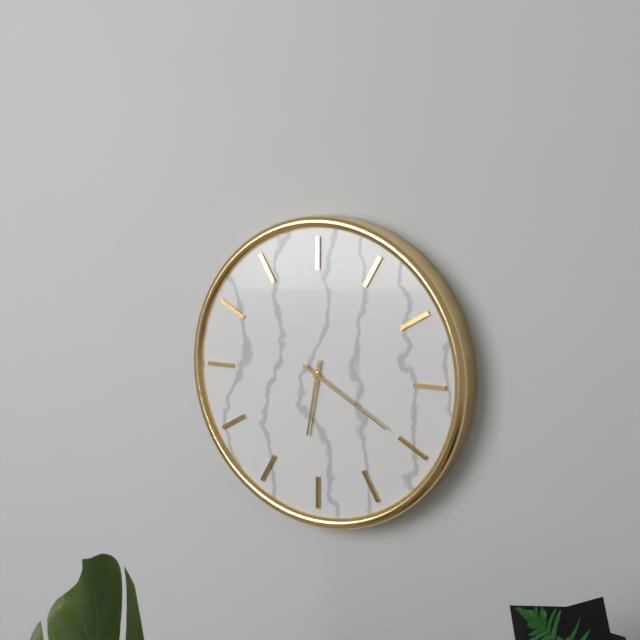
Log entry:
**6:20**
